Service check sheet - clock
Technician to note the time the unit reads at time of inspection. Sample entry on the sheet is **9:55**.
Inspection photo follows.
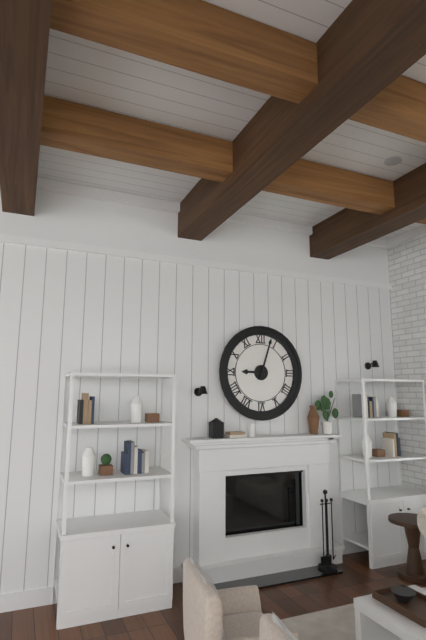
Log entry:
**9:03**
